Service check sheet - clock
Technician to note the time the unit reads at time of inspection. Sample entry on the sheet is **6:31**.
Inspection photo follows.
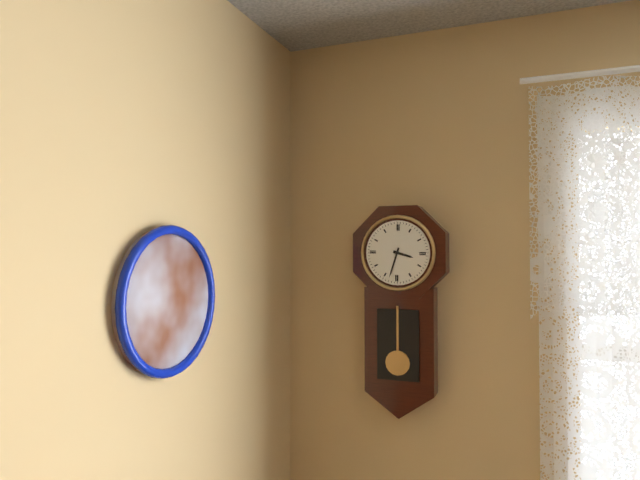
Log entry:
**3:33**
